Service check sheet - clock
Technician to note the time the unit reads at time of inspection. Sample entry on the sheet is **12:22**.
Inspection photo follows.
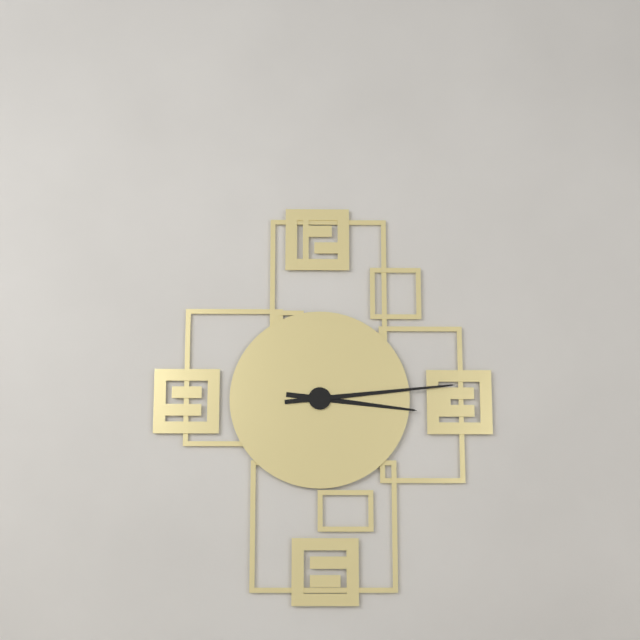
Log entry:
**3:14**
